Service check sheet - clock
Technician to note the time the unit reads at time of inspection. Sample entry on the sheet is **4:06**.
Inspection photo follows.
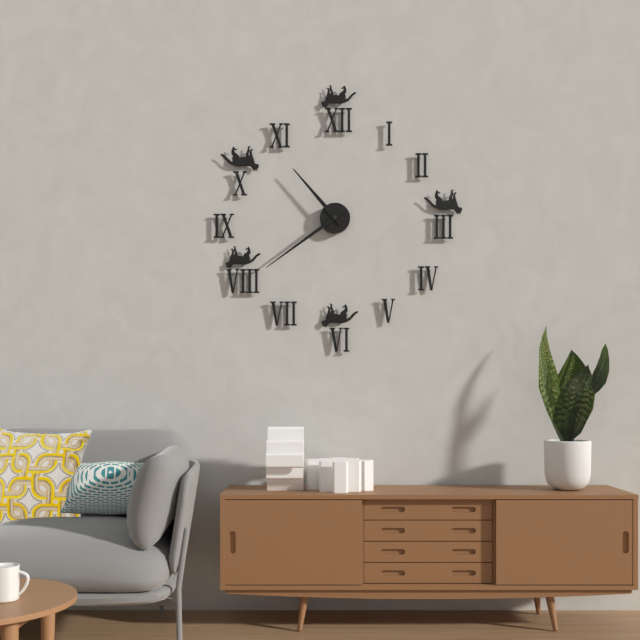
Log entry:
**10:39**
